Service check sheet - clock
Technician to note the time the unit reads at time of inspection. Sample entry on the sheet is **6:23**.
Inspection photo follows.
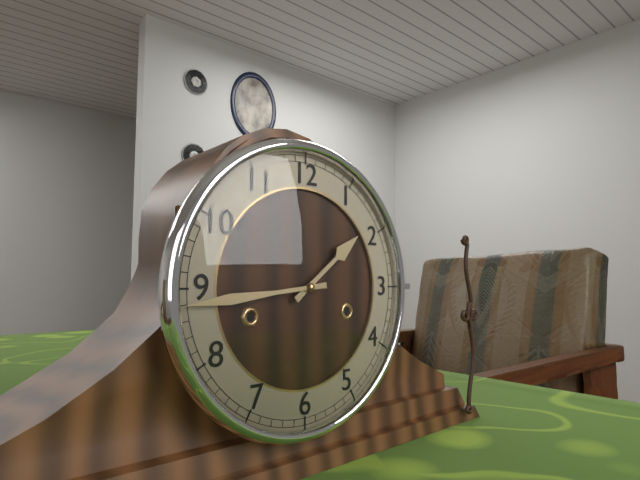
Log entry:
**1:44**
